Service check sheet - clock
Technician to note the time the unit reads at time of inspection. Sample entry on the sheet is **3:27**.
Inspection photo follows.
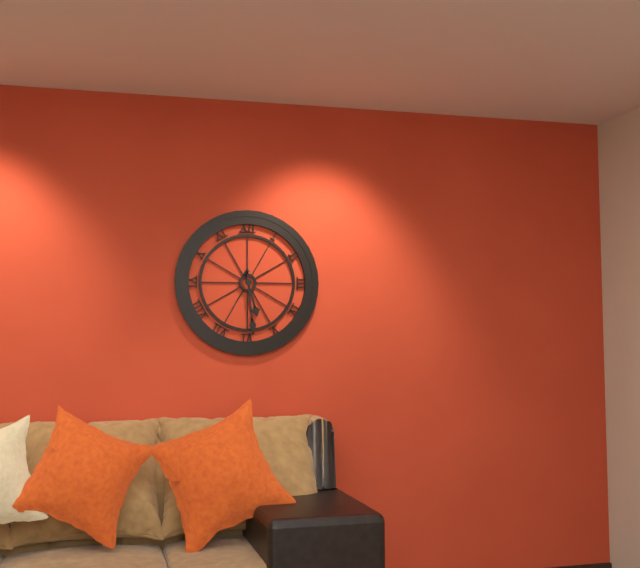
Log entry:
**5:29**
